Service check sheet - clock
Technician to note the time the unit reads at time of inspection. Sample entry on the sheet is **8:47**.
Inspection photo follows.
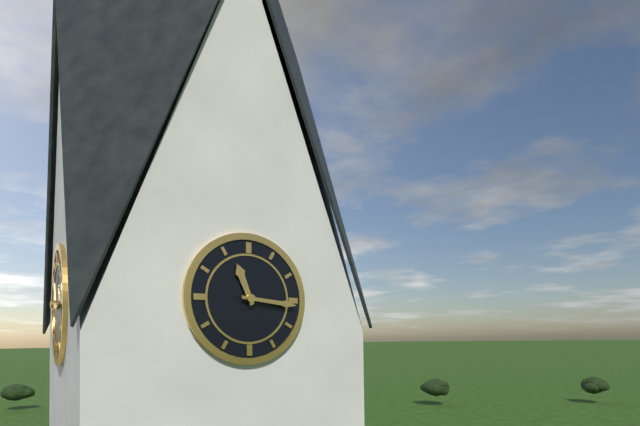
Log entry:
**11:16**
